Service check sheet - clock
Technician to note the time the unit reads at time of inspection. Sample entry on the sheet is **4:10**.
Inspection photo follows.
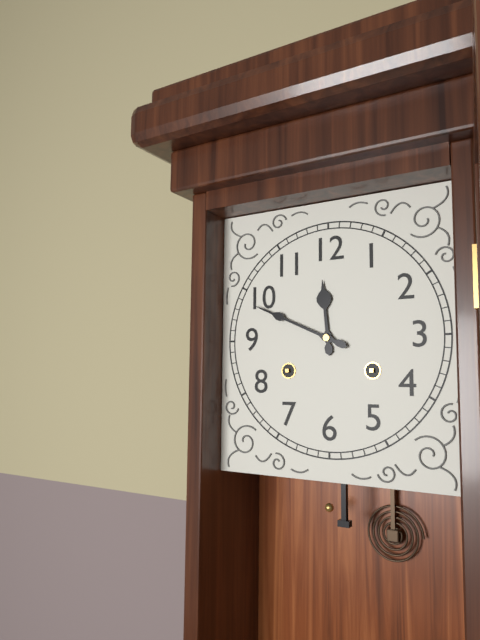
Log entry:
**11:49**
